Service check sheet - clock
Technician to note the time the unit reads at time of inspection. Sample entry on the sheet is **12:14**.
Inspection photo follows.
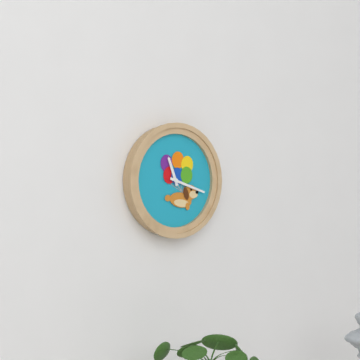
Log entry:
**11:18**
